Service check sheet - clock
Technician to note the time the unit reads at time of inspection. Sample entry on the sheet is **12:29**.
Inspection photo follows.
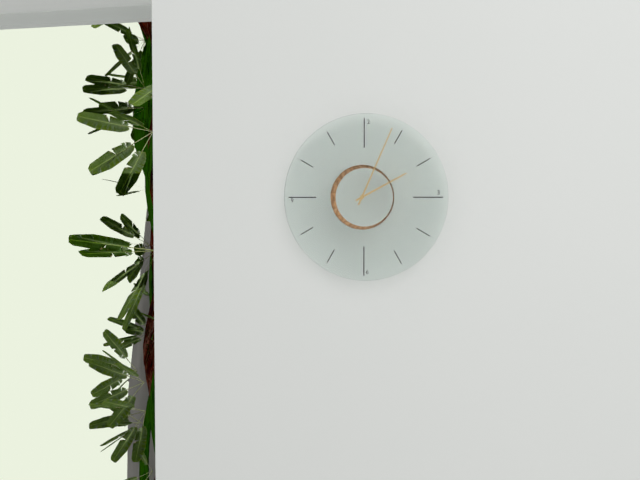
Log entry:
**2:04**
